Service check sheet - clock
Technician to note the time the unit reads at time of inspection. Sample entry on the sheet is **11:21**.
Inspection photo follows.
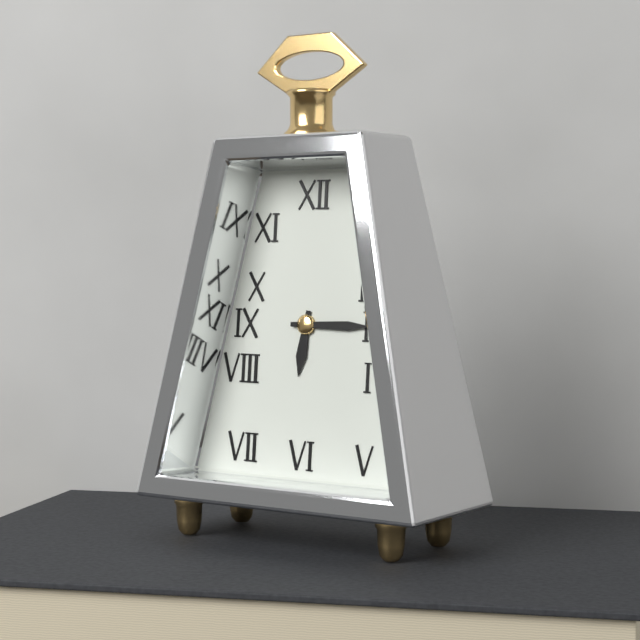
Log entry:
**6:15**
